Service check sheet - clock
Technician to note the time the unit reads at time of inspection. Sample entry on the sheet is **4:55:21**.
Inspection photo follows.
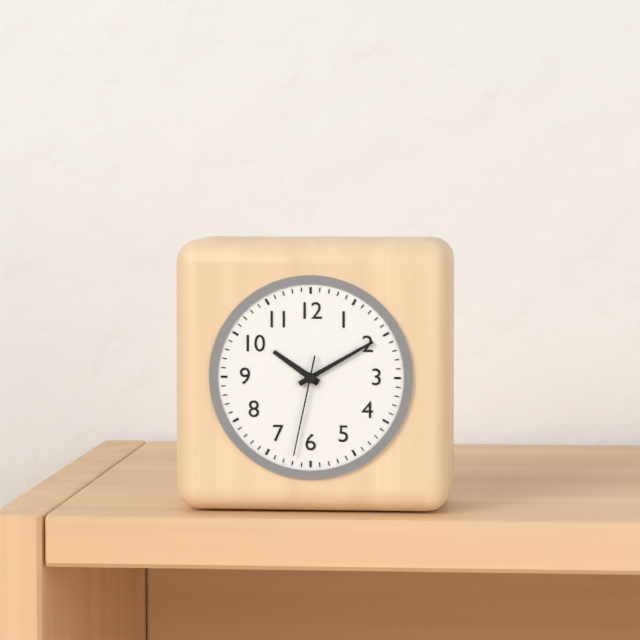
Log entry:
**10:10:32**
